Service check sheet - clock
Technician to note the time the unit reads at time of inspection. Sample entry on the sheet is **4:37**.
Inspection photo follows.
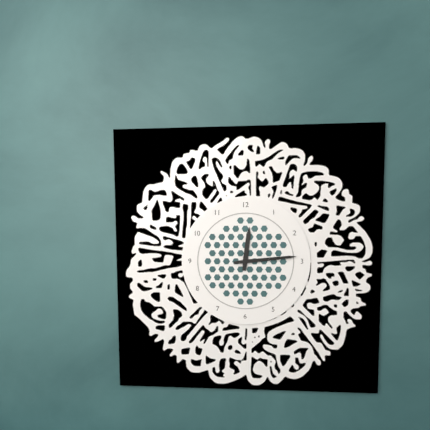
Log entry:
**12:14**
